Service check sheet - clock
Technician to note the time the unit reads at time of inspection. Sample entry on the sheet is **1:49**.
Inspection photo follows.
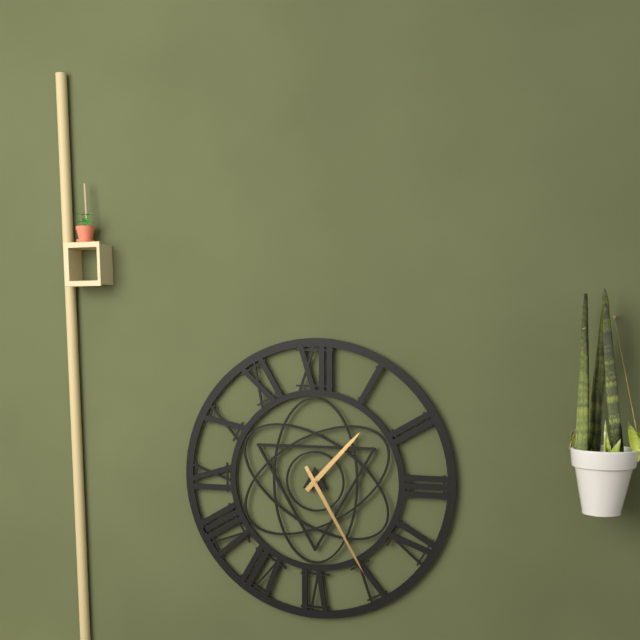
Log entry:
**1:25**
